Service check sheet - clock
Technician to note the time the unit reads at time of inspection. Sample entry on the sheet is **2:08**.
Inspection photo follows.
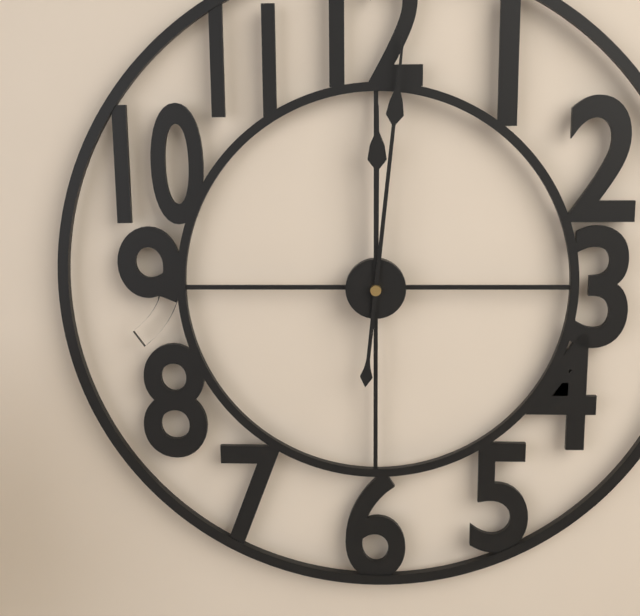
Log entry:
**12:01**
